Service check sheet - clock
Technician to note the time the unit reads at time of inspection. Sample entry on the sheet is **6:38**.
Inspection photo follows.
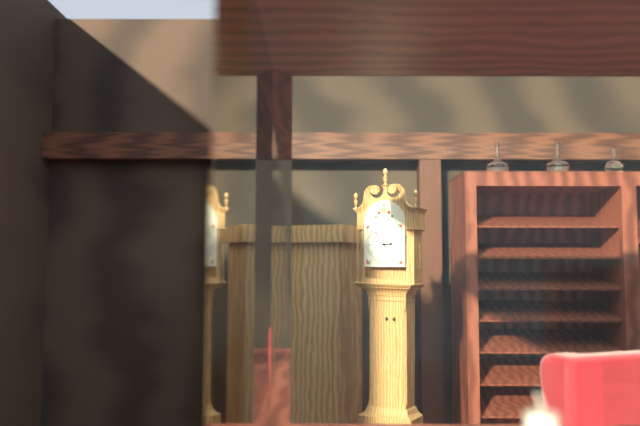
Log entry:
**2:54**
